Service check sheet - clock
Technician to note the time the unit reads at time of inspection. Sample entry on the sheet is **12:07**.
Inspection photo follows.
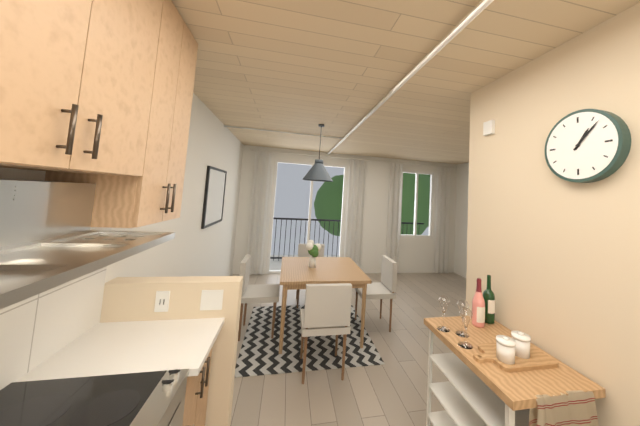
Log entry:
**1:07**
